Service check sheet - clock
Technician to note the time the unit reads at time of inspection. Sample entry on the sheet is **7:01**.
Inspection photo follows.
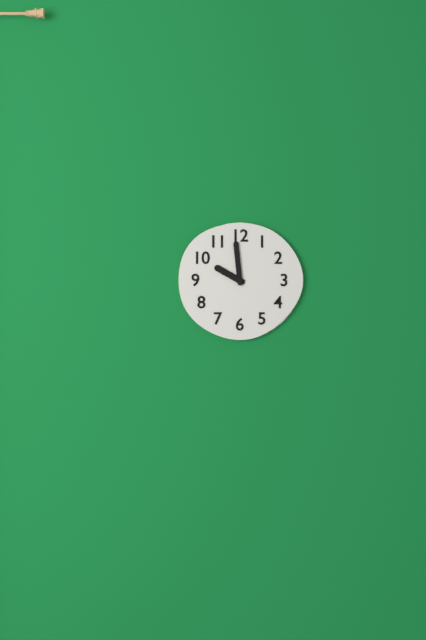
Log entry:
**9:59**
